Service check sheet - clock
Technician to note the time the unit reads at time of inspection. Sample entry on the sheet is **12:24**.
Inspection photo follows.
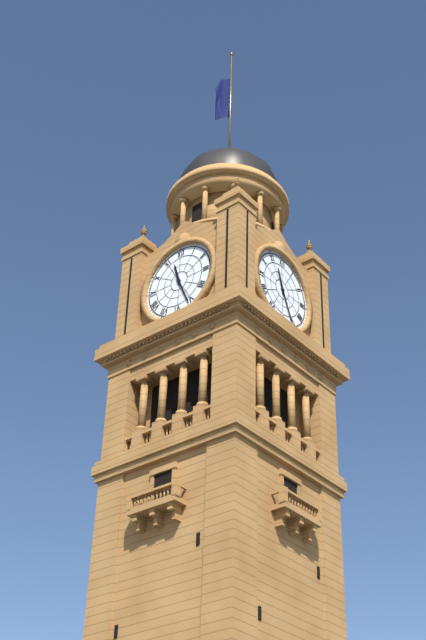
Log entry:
**11:26**
